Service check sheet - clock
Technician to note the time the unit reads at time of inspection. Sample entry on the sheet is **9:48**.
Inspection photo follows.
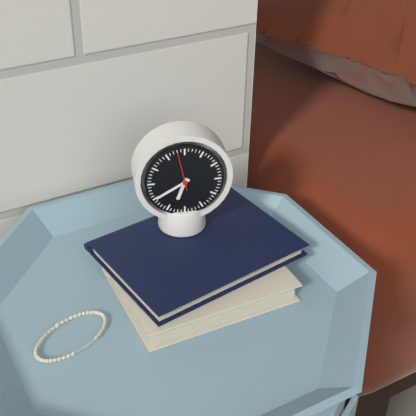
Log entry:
**6:40**
